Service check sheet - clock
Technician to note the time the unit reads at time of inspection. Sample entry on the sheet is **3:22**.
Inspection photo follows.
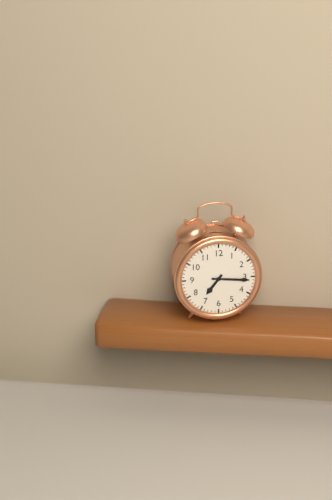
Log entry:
**7:16**
